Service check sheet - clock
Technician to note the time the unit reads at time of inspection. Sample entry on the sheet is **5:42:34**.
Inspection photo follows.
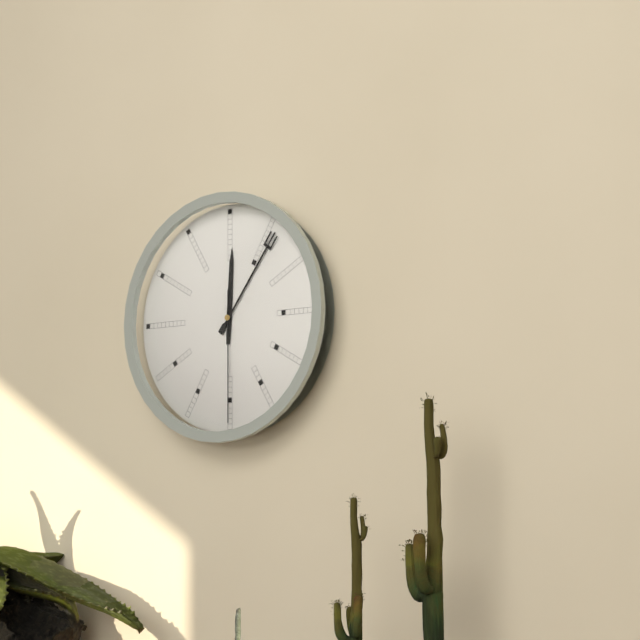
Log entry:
**12:06:30**
